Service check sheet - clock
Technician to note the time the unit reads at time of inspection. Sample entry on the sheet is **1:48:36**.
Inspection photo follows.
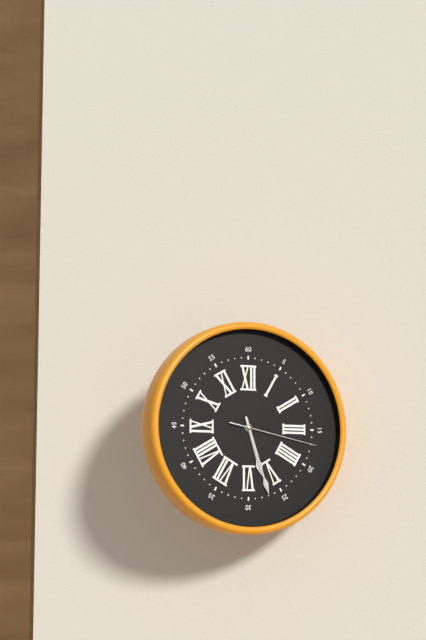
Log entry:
**5:27:17**
